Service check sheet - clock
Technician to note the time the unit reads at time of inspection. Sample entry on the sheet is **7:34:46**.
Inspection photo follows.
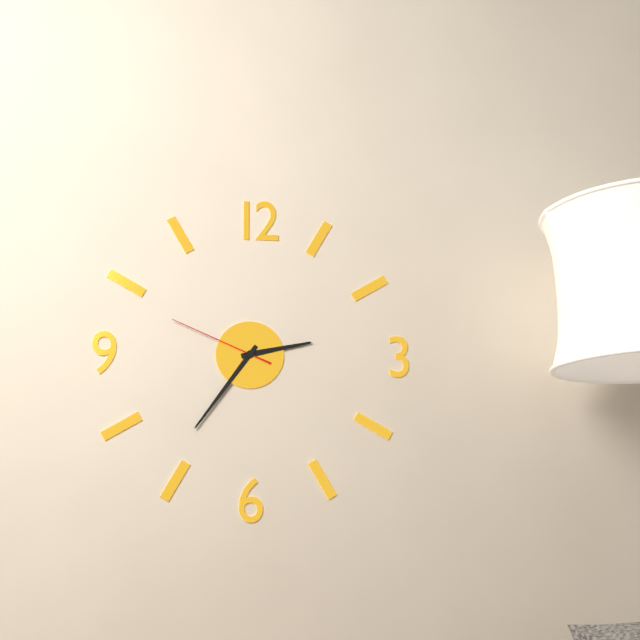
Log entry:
**2:36:49**
